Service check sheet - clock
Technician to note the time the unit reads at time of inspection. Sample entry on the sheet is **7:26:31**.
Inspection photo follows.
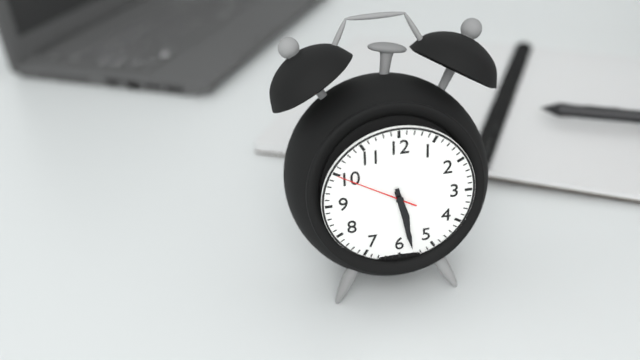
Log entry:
**5:28:50**
